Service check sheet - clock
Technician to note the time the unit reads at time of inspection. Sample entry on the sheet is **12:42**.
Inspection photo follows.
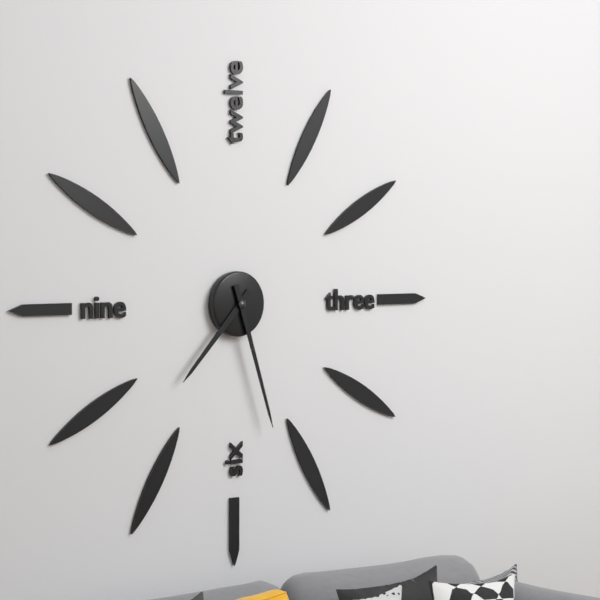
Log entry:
**7:27**
